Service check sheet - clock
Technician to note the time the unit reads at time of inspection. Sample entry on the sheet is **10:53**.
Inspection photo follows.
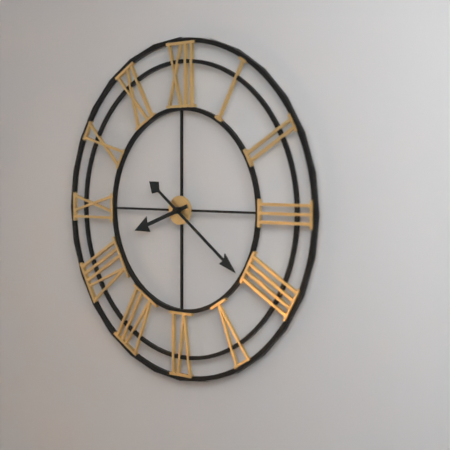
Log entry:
**8:21**
